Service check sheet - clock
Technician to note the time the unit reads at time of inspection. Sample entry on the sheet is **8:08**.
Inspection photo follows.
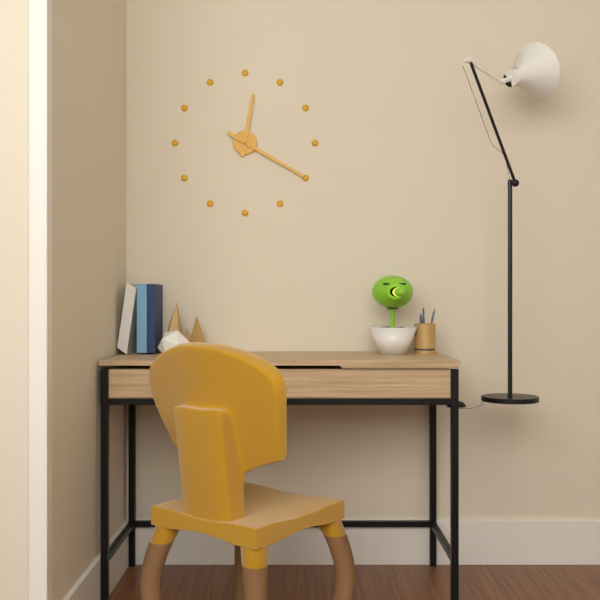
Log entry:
**12:20**
